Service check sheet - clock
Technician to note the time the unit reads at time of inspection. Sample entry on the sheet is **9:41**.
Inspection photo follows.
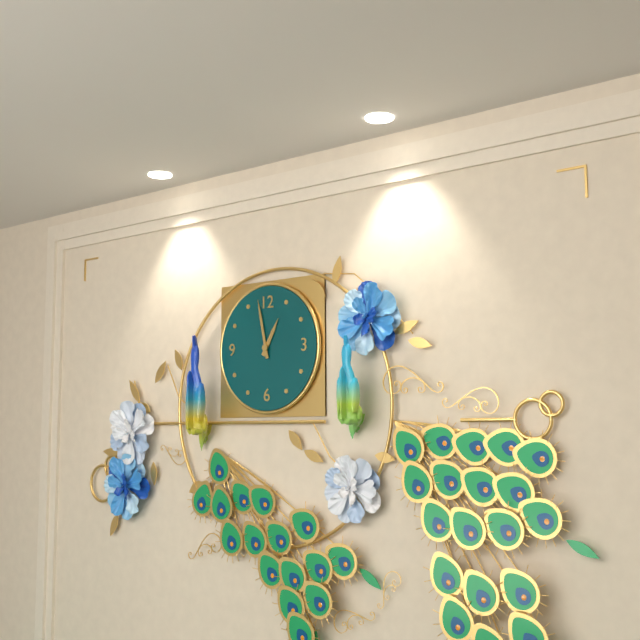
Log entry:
**12:58**
